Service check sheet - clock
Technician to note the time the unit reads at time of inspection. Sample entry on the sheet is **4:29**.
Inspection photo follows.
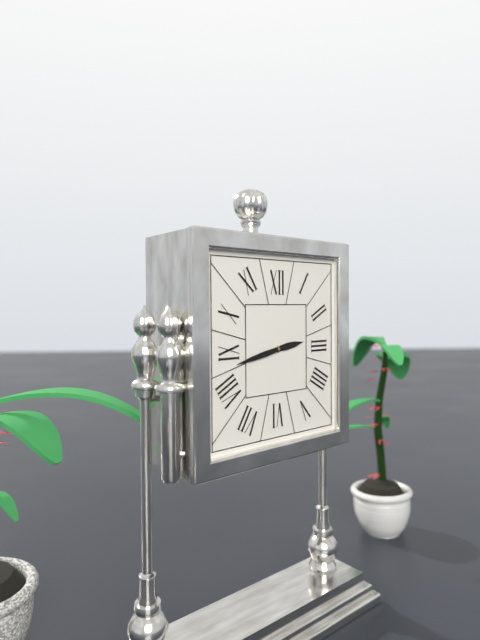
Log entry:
**2:43**
